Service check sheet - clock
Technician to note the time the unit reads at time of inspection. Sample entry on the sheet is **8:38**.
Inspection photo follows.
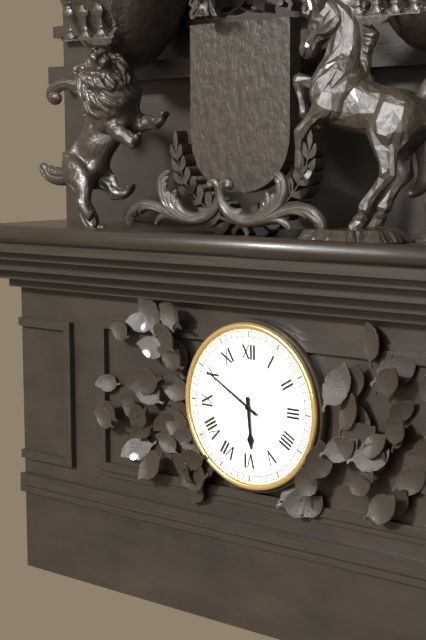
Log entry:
**5:50**
